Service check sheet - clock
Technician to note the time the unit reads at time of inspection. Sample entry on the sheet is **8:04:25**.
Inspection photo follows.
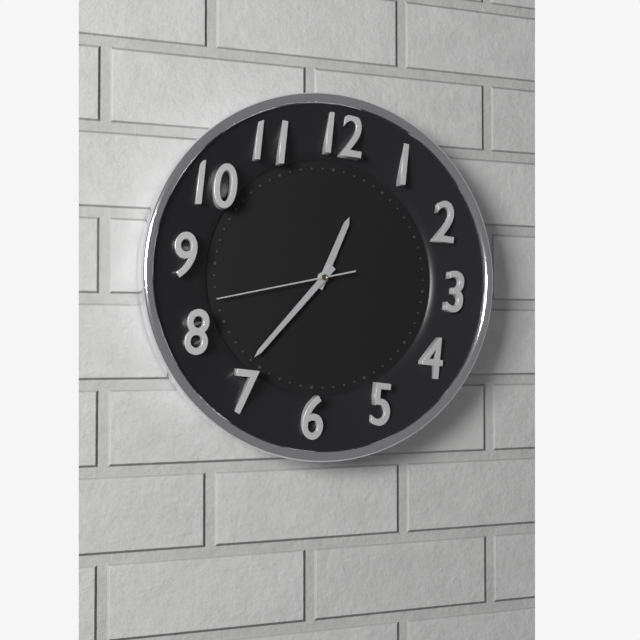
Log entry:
**12:36:42**
